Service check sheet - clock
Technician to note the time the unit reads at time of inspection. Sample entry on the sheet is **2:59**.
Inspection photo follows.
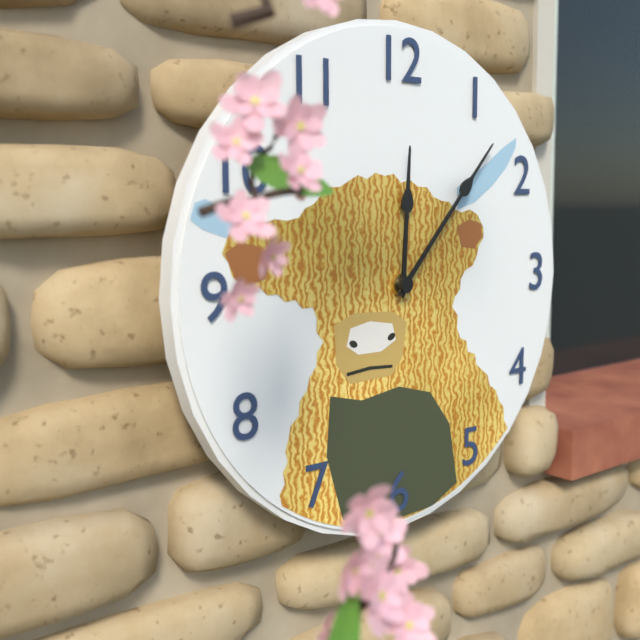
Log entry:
**12:07**
